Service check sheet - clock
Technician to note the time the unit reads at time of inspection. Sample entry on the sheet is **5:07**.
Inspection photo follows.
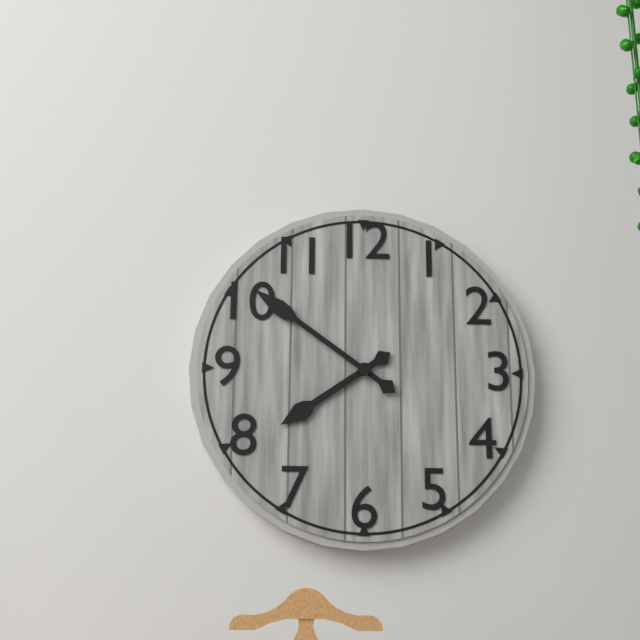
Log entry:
**7:51**
